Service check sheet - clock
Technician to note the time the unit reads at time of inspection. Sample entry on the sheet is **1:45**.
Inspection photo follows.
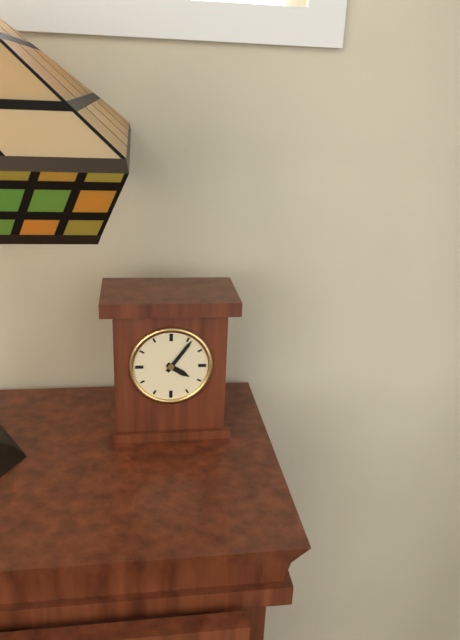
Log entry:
**4:06**
